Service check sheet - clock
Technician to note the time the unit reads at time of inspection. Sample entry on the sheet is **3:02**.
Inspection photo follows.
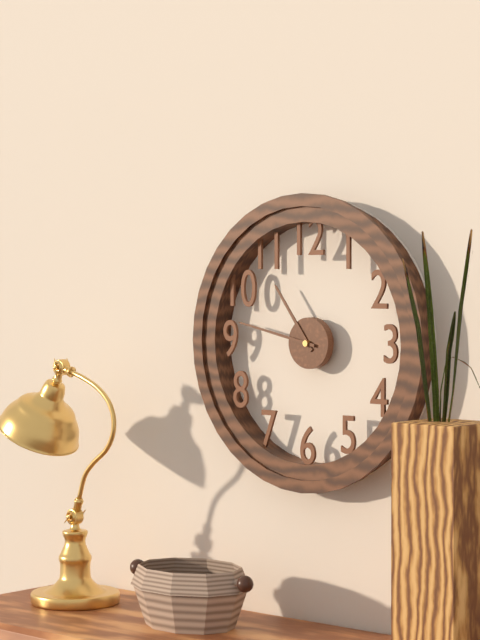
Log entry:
**10:47**
